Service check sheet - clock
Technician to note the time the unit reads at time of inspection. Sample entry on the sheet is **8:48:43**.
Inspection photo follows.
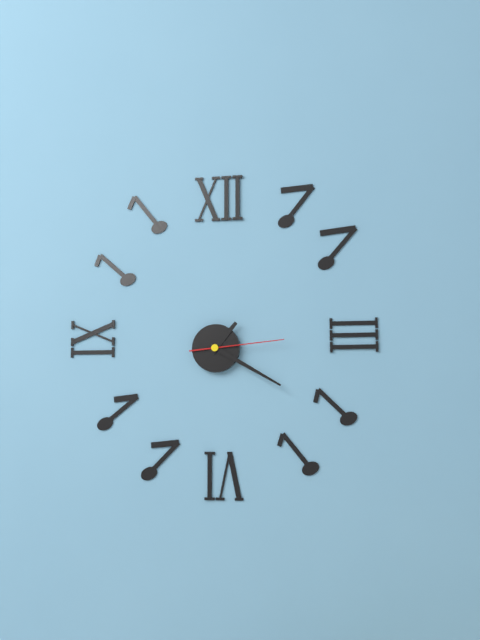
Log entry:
**1:20:14**
